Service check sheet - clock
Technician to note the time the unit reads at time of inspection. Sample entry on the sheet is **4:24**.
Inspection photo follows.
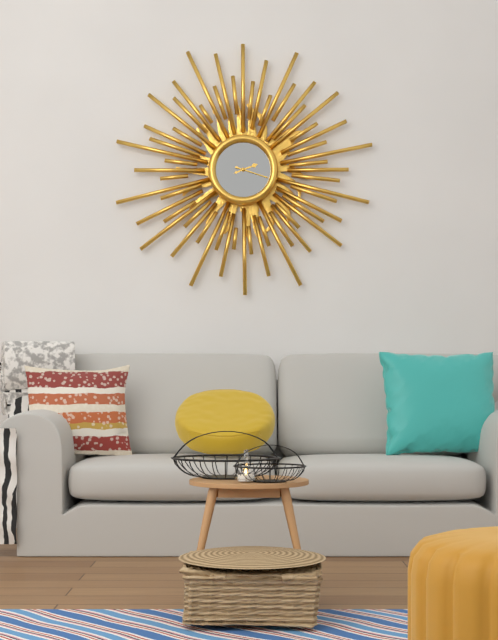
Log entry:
**2:18**
